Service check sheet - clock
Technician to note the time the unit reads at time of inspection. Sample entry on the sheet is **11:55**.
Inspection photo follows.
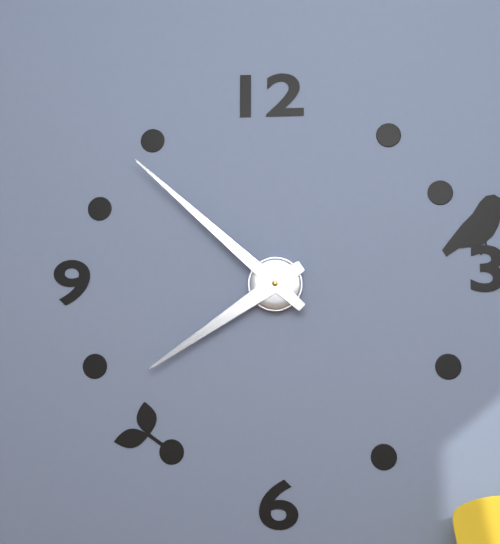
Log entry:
**7:52**
